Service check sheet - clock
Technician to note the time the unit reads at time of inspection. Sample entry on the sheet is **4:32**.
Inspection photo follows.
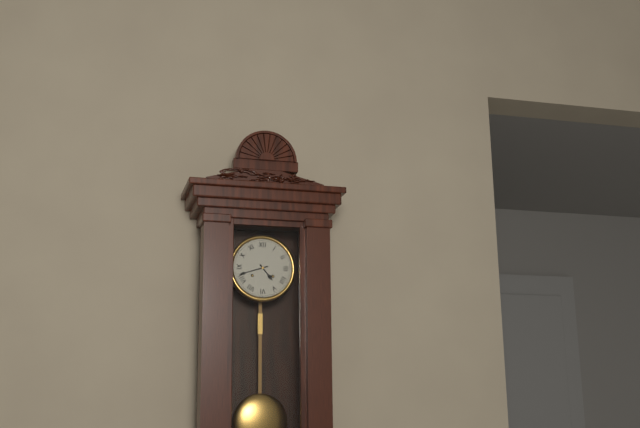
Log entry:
**4:42**
